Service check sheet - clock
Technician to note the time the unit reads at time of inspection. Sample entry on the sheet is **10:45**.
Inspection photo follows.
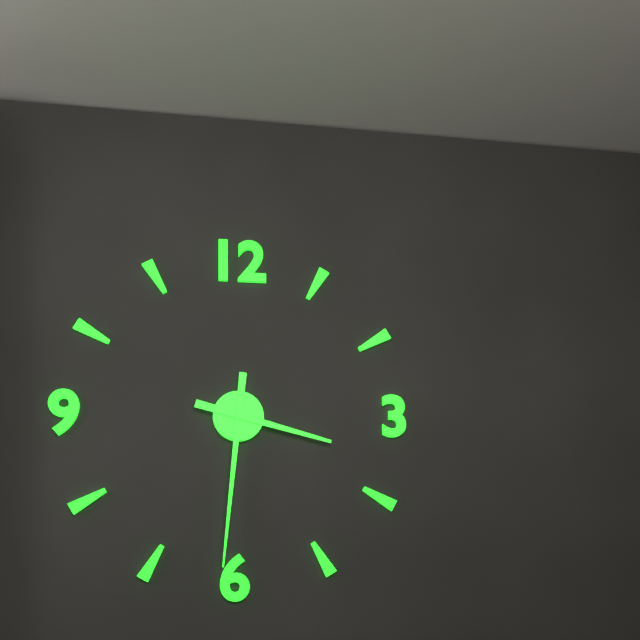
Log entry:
**3:31**
